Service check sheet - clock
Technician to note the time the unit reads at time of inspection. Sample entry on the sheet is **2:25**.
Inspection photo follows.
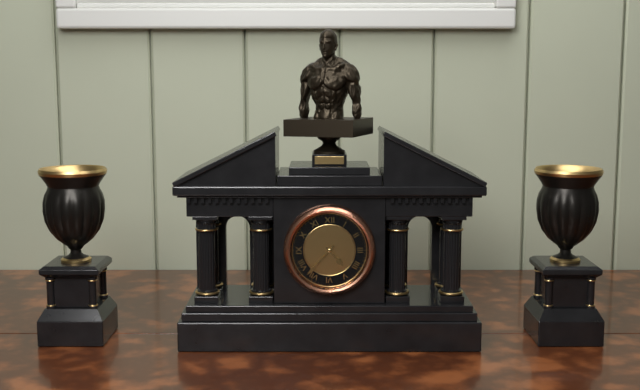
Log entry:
**4:37**
